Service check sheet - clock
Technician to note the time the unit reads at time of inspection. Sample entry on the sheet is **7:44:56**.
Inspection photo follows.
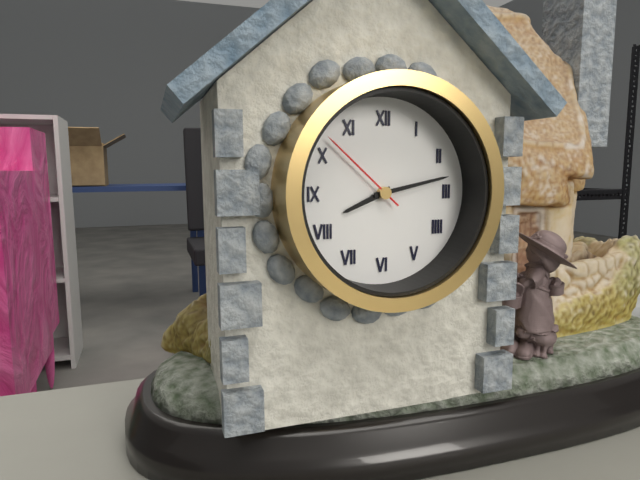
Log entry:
**8:13:52**
